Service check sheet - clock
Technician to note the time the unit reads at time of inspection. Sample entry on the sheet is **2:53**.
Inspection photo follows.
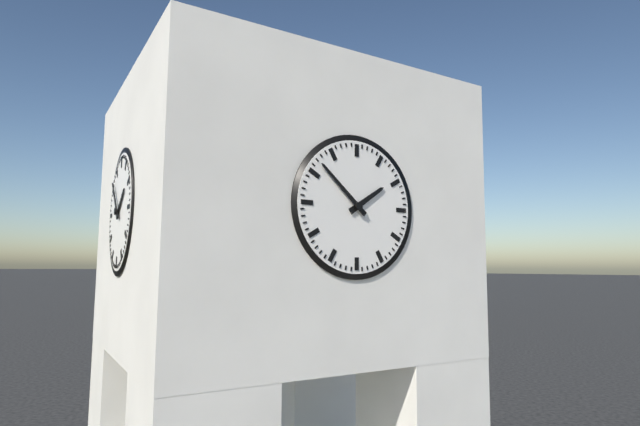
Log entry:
**1:52**
